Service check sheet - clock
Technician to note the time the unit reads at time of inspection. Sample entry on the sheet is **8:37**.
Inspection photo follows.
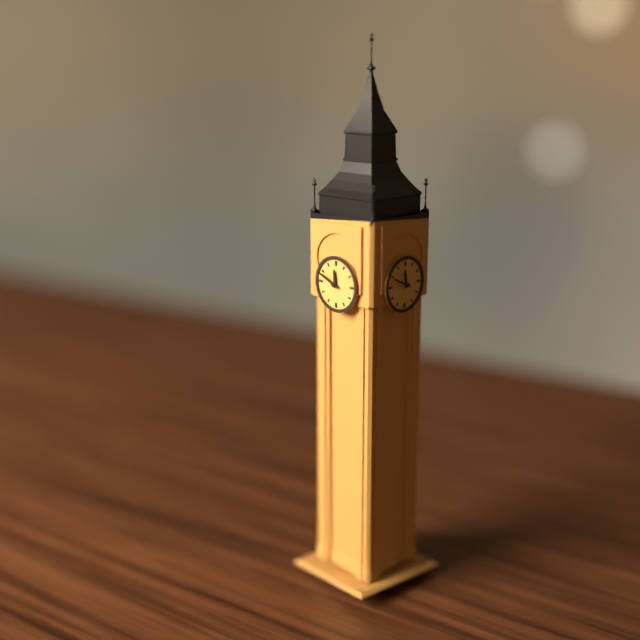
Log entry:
**11:49**
